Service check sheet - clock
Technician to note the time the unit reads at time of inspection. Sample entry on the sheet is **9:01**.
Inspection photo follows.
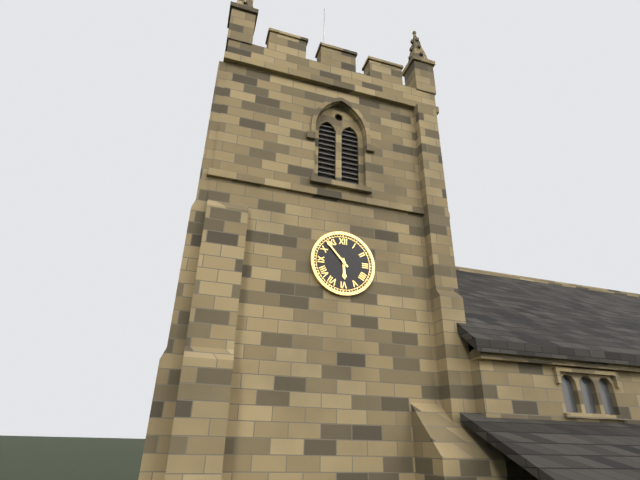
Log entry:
**5:53**
